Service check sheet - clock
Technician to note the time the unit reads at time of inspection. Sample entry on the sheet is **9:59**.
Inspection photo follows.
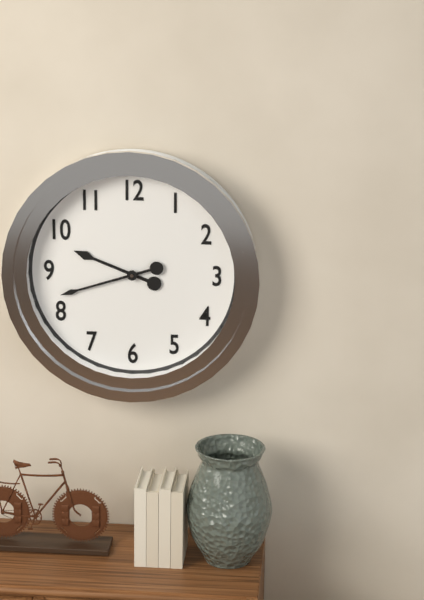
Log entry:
**9:42**
